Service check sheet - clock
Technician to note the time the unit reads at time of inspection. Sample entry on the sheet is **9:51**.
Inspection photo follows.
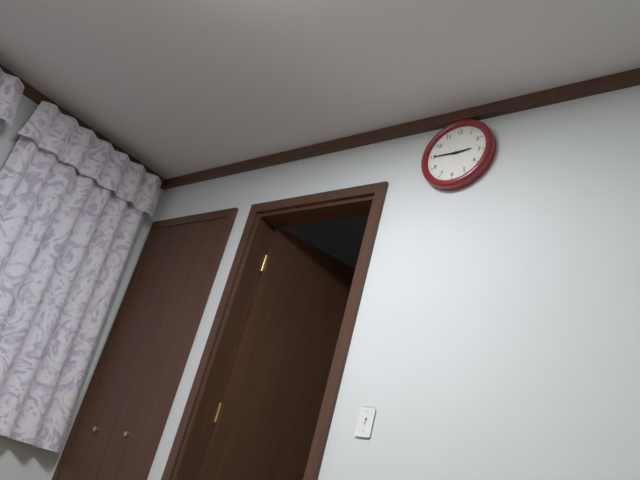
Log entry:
**2:45**
